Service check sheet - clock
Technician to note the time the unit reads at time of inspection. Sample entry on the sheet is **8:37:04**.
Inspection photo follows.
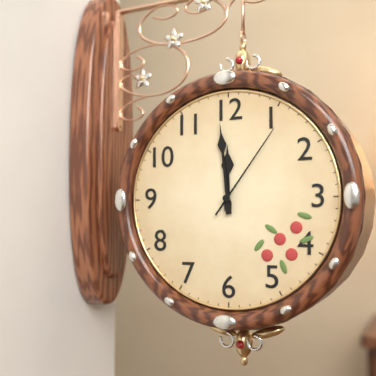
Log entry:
**11:59:06**
